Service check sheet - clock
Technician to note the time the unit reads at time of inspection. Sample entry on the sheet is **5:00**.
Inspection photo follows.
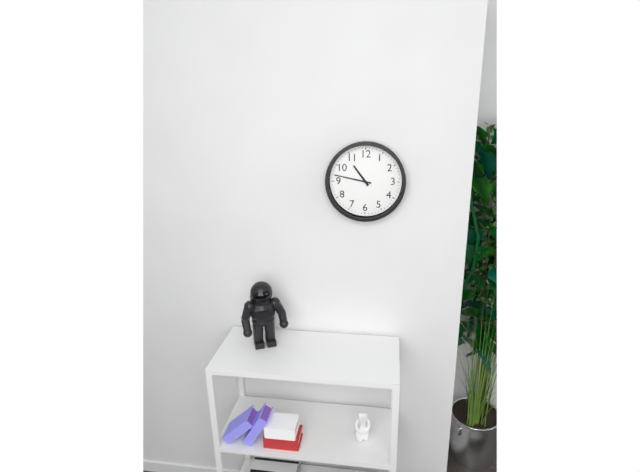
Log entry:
**10:47**
